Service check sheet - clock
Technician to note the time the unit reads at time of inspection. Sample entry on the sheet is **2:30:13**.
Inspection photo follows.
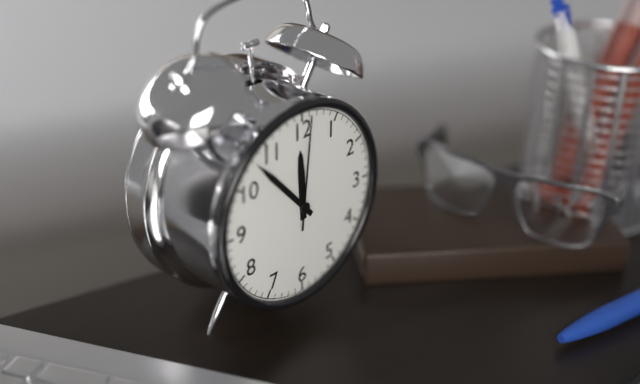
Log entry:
**11:53:01**
